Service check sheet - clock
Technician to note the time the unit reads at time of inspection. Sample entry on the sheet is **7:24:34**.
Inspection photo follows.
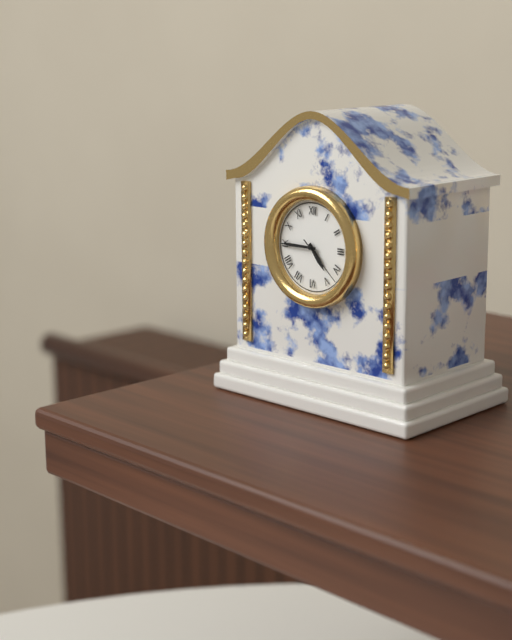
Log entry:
**4:45:22**
